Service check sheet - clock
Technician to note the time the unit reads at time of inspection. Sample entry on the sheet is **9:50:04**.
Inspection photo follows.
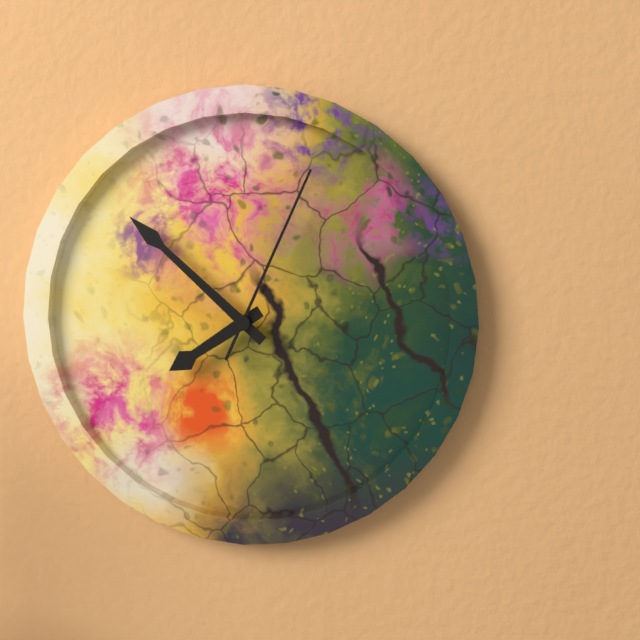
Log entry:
**7:52:04**
